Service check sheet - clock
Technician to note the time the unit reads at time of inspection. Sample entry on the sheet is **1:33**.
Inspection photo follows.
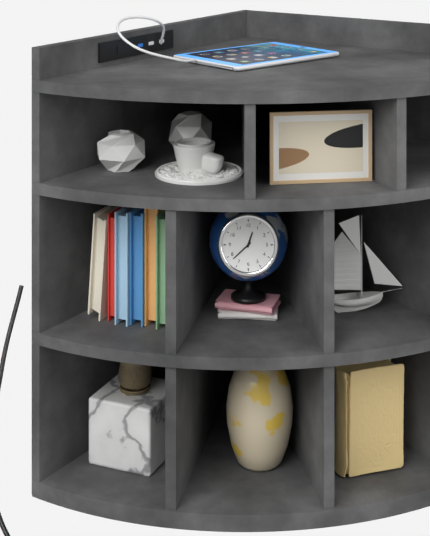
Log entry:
**12:38**
